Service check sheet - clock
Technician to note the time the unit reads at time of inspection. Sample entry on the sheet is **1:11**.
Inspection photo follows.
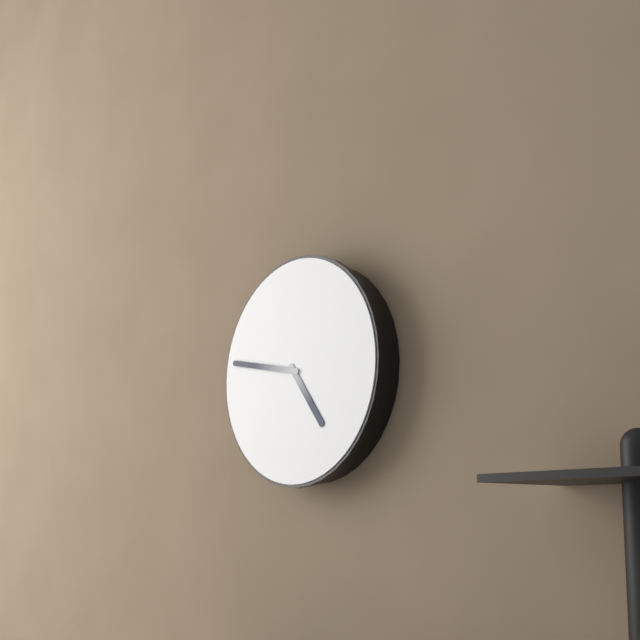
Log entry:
**4:47**
